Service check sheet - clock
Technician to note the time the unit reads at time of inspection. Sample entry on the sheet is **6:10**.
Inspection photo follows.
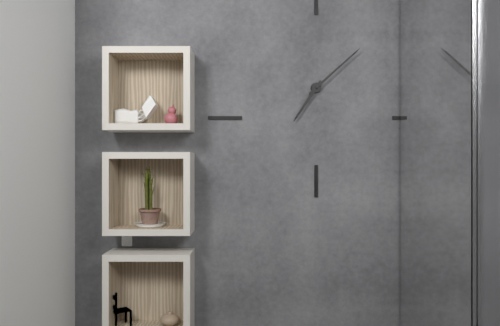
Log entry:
**7:08**
